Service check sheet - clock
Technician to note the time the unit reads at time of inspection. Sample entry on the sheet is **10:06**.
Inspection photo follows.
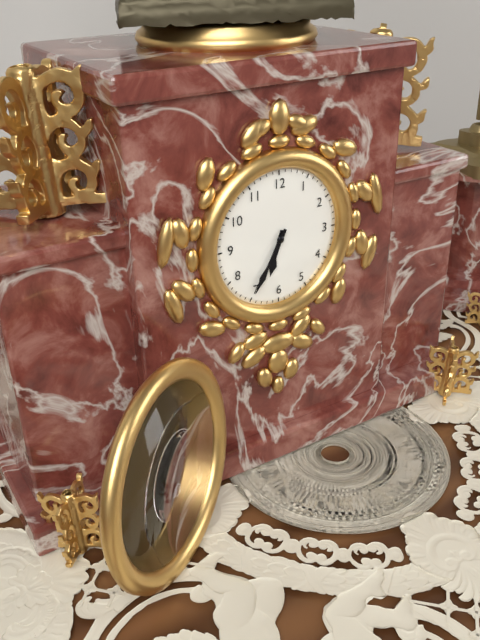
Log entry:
**6:35**
